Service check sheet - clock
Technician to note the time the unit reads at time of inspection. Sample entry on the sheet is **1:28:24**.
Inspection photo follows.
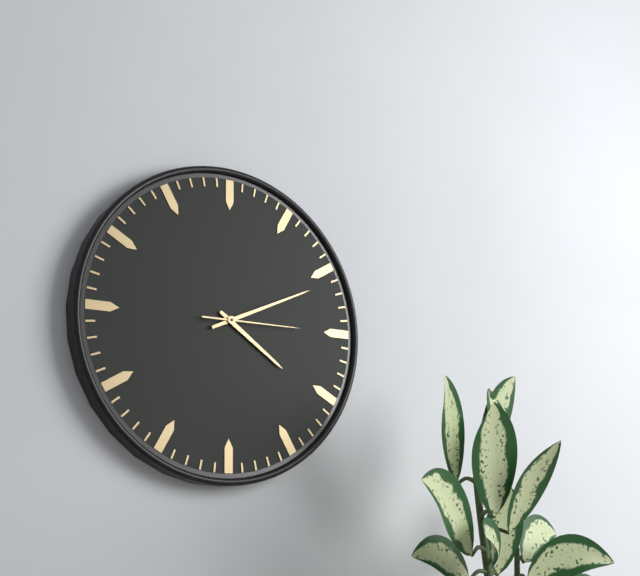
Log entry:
**4:11:15**
